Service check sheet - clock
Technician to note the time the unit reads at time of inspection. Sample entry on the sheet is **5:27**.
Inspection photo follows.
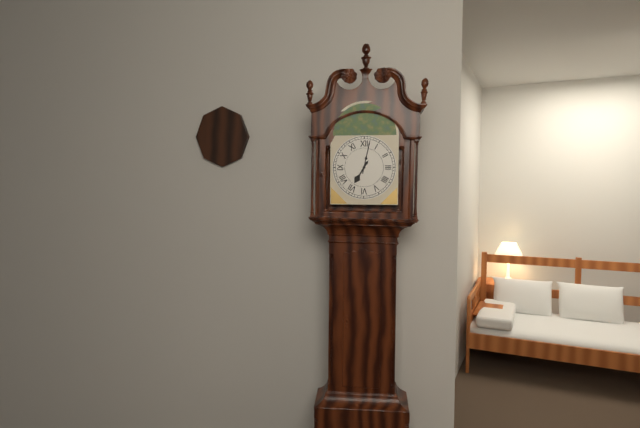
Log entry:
**7:02**
